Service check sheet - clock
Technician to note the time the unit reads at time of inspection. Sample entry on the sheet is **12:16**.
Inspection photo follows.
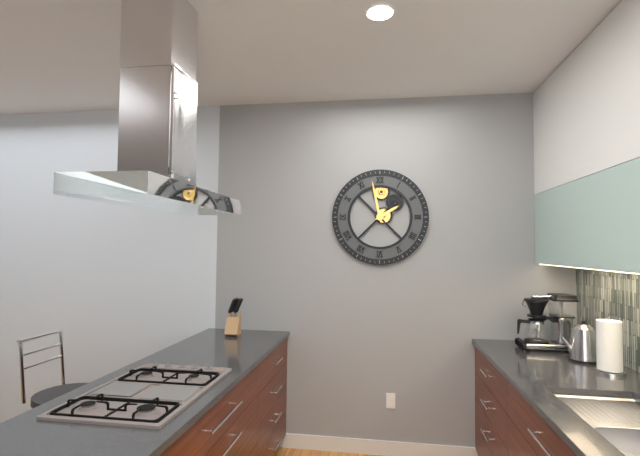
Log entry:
**1:58**
